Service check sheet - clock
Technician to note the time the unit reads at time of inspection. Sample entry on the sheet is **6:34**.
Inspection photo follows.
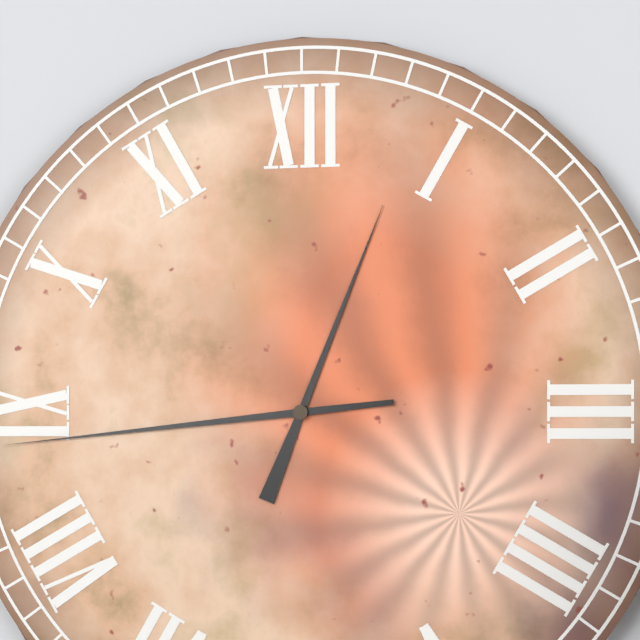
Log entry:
**12:44**
